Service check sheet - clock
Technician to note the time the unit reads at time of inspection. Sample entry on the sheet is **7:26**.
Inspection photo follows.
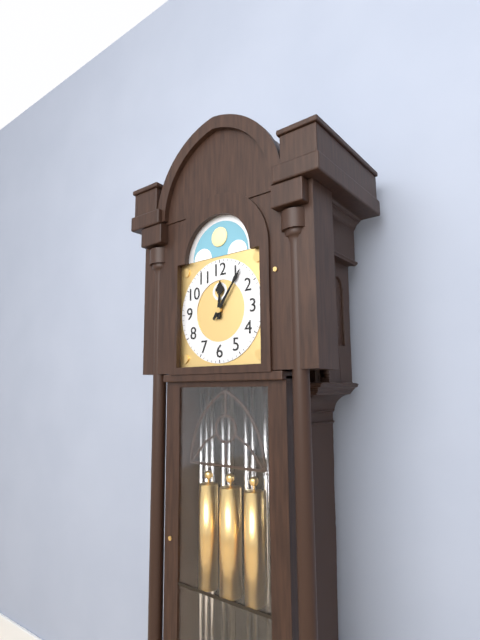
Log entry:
**12:06**
